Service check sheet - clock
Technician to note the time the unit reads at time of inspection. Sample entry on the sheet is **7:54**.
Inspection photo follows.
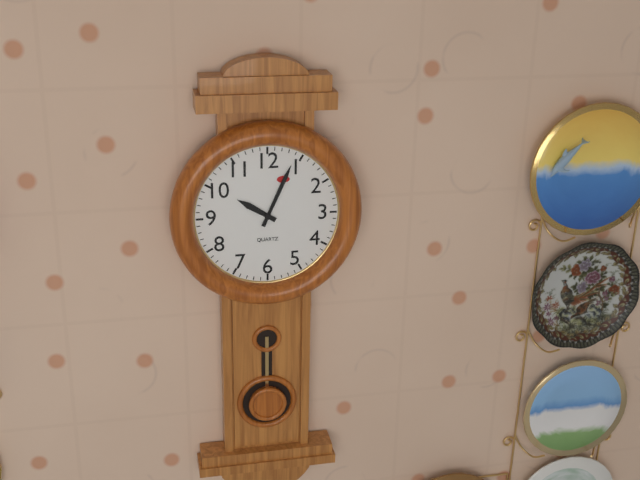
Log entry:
**10:04**
